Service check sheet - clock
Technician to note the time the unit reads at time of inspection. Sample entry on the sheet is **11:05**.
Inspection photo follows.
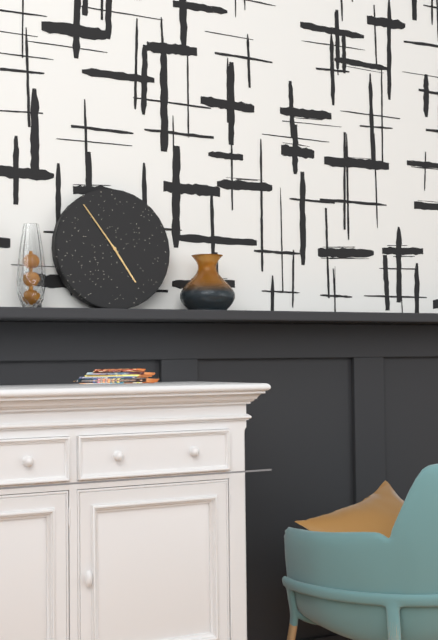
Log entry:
**4:54**
